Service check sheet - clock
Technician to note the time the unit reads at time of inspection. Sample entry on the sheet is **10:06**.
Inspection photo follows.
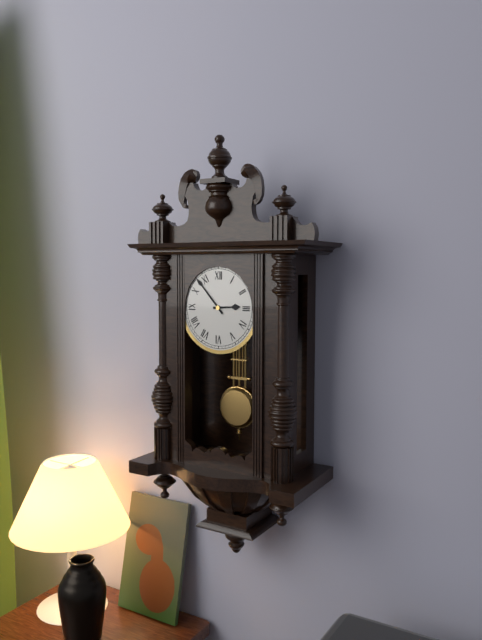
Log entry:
**2:53**
